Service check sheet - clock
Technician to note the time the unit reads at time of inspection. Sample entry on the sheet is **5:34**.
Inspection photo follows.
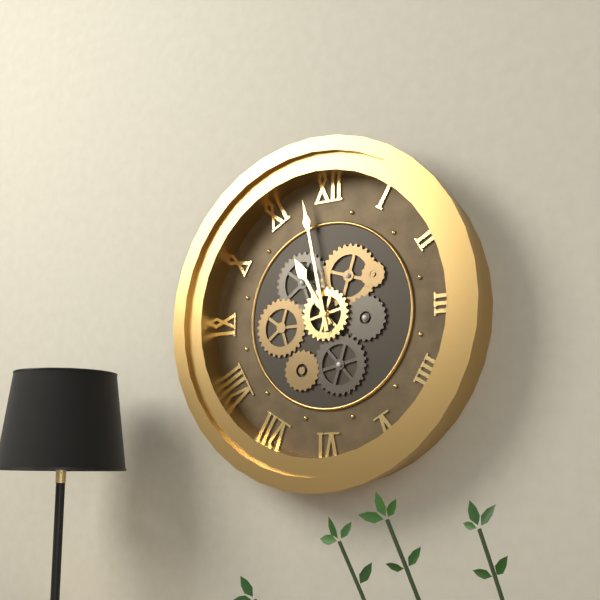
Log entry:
**10:58**
